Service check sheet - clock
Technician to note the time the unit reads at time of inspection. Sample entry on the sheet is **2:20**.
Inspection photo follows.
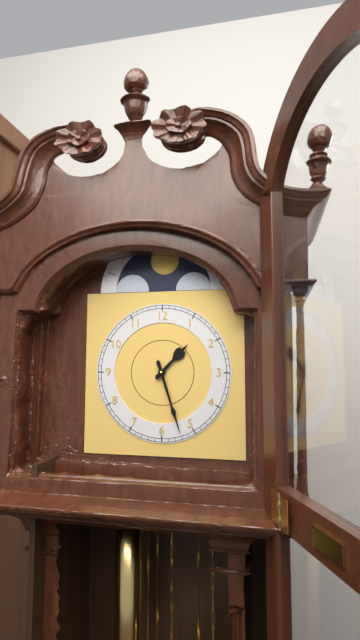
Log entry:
**1:27**
